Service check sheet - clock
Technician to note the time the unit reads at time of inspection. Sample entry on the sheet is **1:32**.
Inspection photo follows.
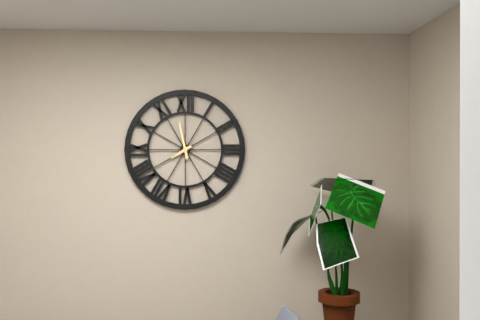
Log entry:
**7:58**
